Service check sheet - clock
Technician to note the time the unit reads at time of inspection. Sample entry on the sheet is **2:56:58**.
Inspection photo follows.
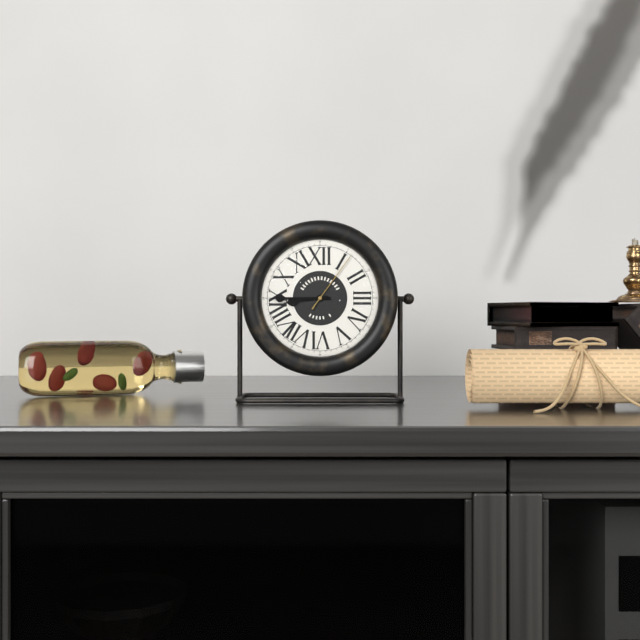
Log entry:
**8:45:06**
